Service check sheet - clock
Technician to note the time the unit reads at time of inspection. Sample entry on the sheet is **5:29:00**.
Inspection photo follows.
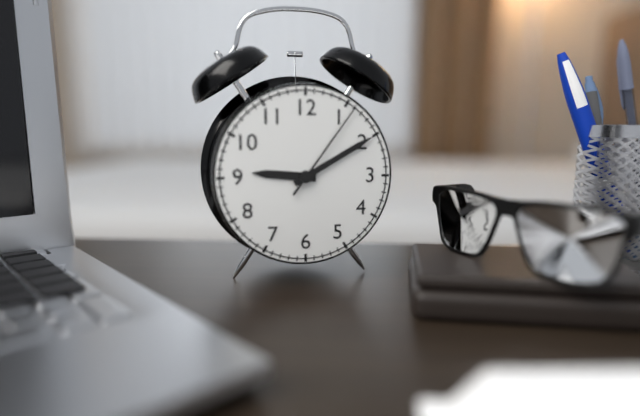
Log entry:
**9:10:06**
